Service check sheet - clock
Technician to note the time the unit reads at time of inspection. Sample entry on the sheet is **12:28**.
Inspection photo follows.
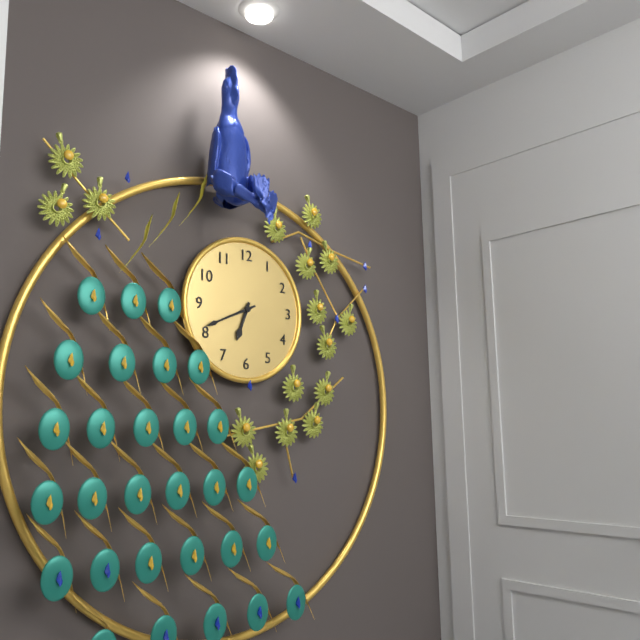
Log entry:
**6:41**
